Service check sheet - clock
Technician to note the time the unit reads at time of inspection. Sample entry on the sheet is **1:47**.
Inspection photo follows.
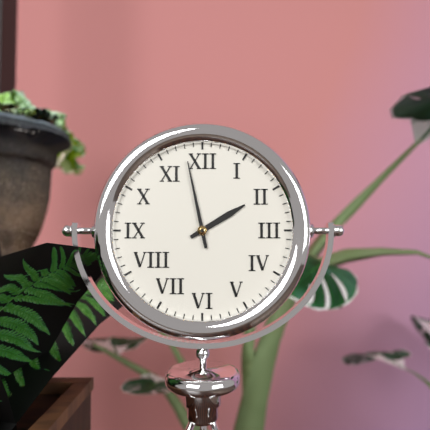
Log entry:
**1:58**
